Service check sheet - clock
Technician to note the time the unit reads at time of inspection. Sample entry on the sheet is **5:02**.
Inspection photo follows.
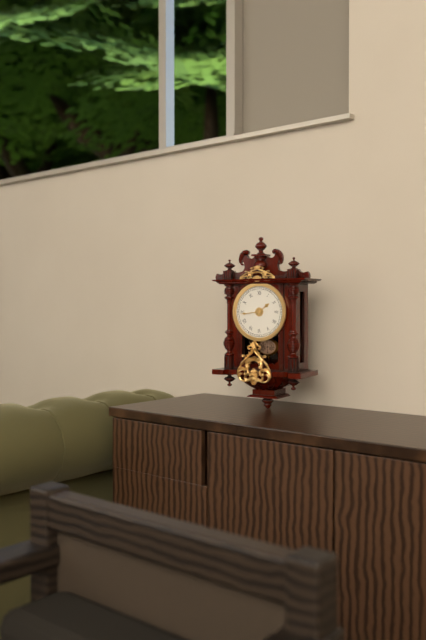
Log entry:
**1:44**
